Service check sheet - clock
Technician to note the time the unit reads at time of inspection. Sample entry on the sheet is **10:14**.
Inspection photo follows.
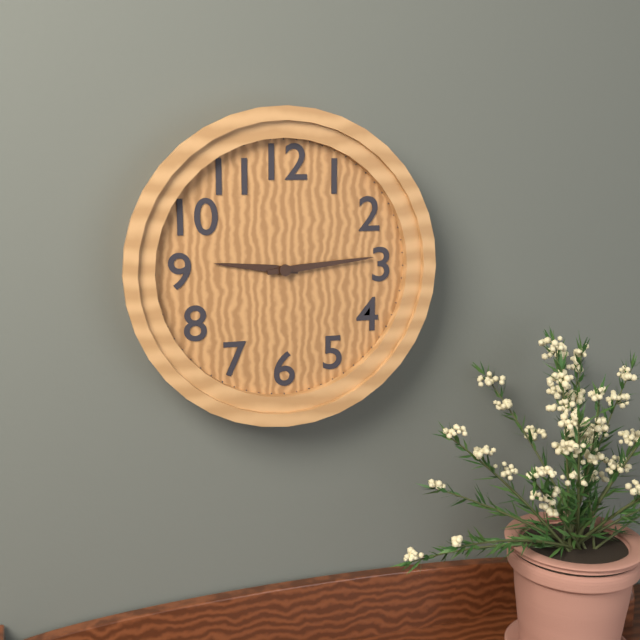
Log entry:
**9:14**
